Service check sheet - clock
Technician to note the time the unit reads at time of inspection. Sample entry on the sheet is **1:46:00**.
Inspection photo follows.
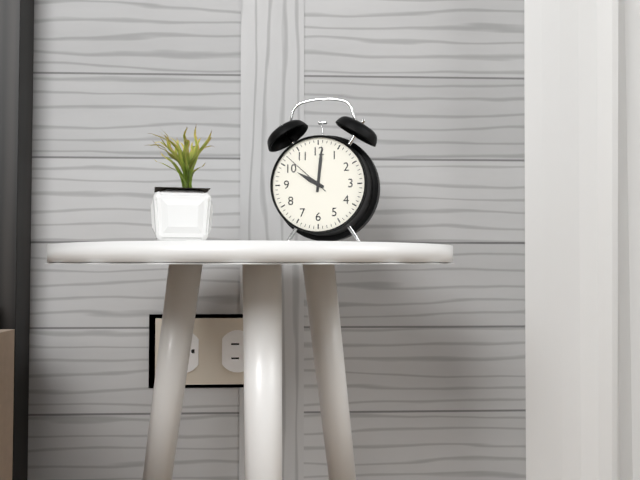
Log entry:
**10:01:52**
